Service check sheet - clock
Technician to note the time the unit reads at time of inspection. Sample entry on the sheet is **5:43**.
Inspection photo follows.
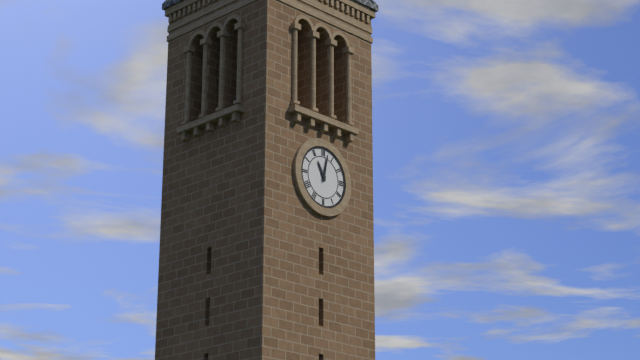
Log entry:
**11:02**
